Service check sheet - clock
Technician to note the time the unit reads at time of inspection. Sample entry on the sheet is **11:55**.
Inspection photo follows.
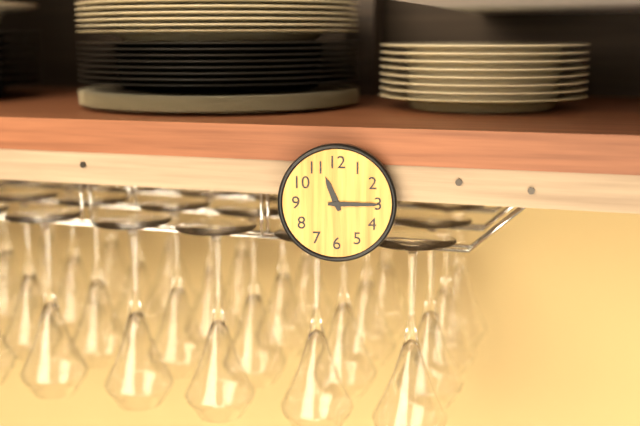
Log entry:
**11:15**
